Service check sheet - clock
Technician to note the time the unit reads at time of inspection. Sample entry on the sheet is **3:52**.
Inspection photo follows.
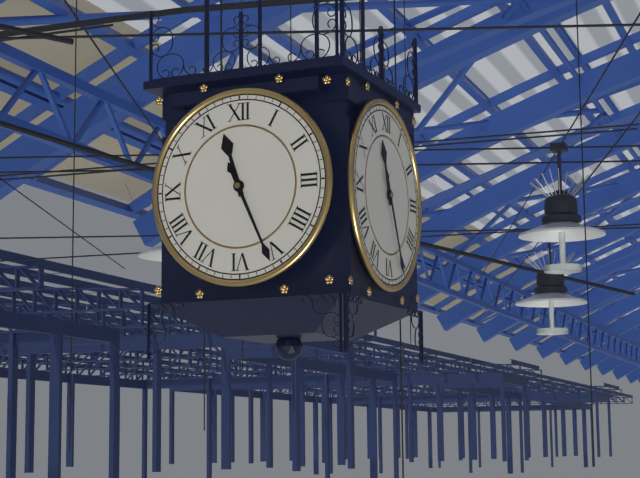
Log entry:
**11:26**
